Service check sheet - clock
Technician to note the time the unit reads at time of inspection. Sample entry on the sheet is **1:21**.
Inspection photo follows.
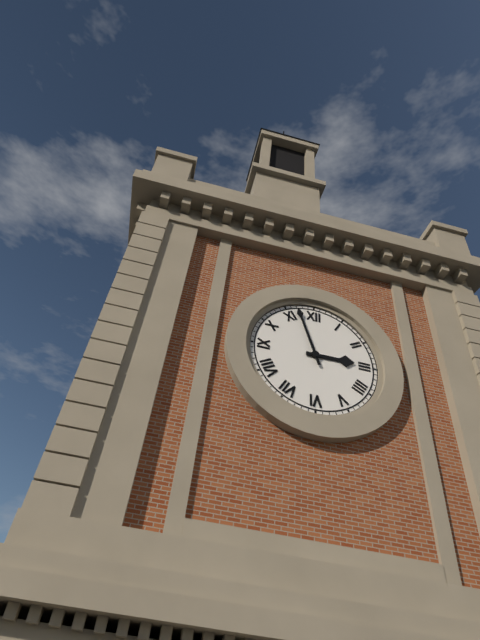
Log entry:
**2:57**
